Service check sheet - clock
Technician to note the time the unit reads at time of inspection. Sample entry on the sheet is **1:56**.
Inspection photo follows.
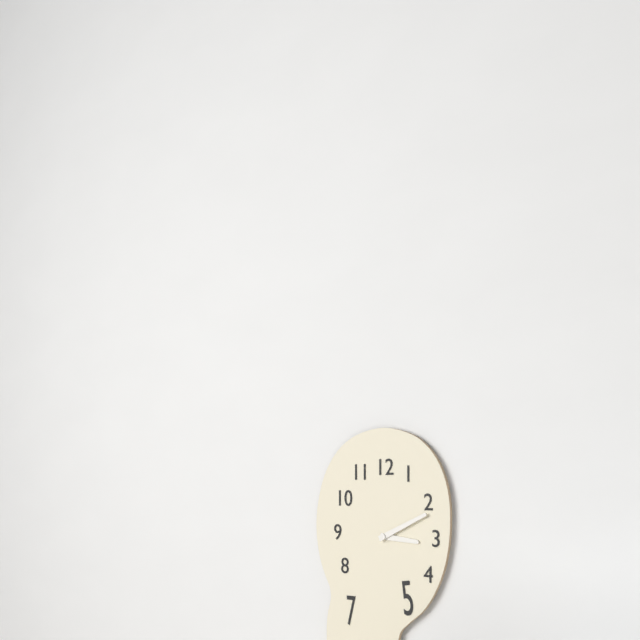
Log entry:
**3:11**
